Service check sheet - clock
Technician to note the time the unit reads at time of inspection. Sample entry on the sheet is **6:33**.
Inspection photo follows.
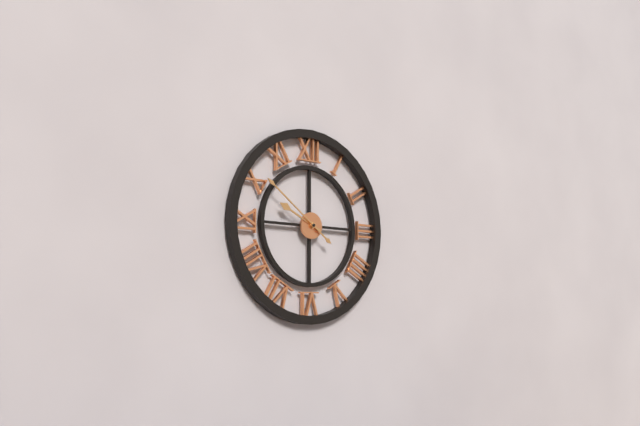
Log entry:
**9:51**
